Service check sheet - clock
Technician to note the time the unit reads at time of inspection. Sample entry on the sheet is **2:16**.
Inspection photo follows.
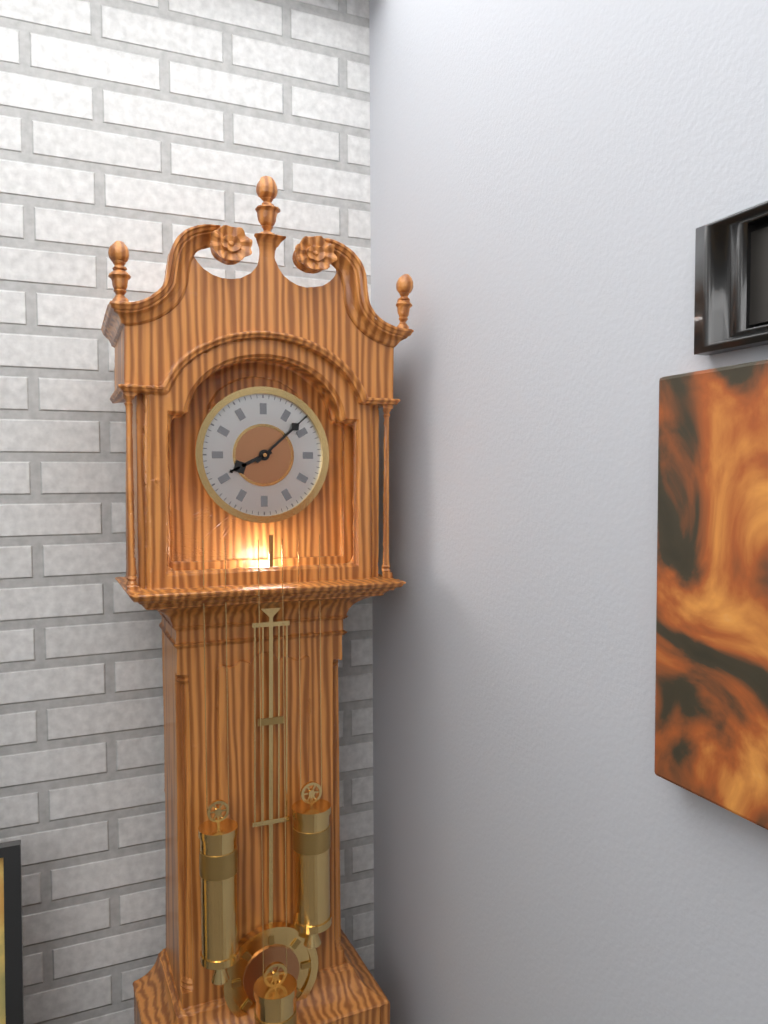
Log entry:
**8:08**
